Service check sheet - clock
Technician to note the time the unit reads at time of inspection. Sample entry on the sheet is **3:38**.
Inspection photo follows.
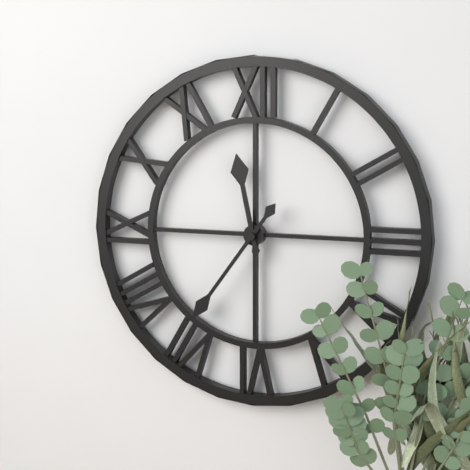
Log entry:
**11:36**
